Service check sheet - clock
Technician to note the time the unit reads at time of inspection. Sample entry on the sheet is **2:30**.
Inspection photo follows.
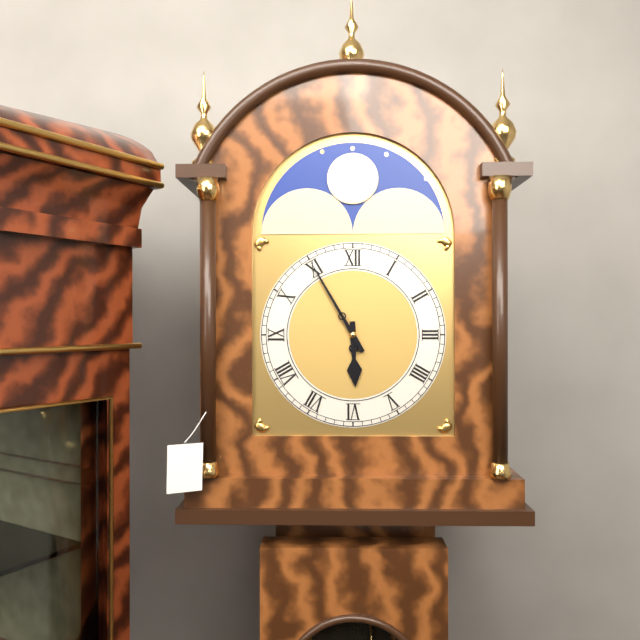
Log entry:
**5:55**
